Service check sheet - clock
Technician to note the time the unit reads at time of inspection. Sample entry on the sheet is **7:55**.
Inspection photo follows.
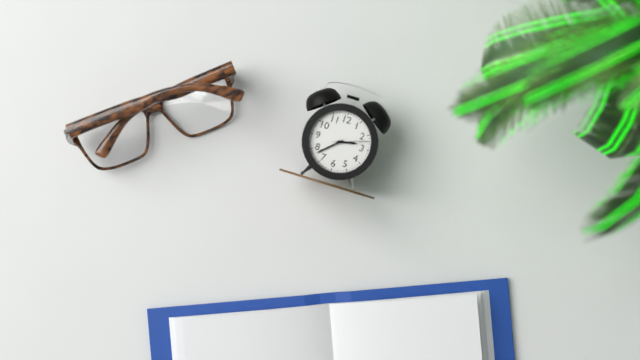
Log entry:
**2:38**
